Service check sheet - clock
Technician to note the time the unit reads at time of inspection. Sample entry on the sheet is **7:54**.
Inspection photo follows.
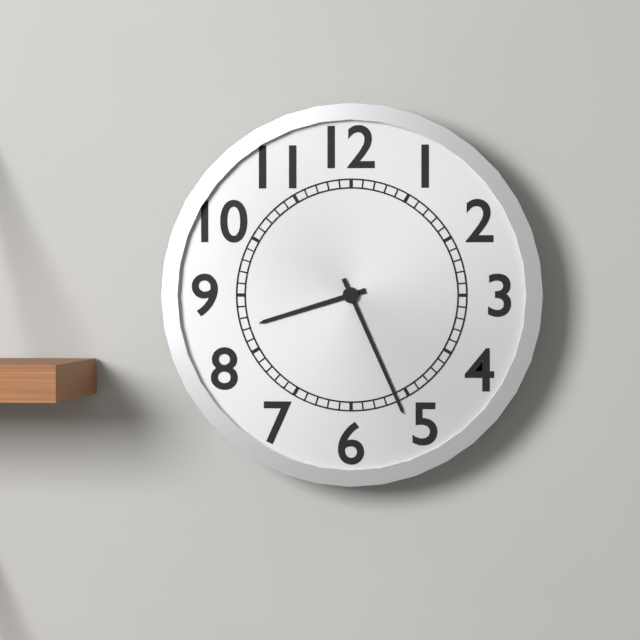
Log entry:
**8:26**
